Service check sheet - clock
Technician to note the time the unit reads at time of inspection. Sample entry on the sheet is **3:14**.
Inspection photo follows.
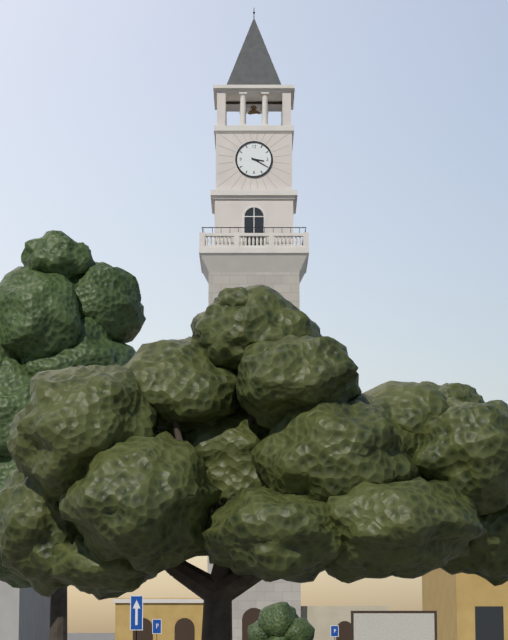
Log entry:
**3:20**
